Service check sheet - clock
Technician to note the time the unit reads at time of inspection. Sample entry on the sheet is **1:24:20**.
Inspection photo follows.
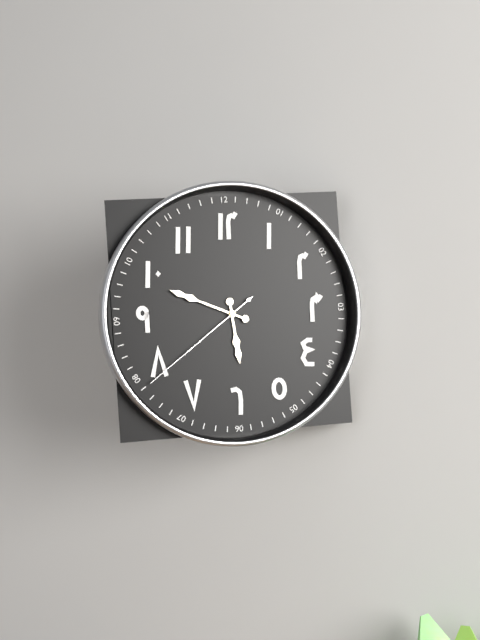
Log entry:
**5:49:39**
